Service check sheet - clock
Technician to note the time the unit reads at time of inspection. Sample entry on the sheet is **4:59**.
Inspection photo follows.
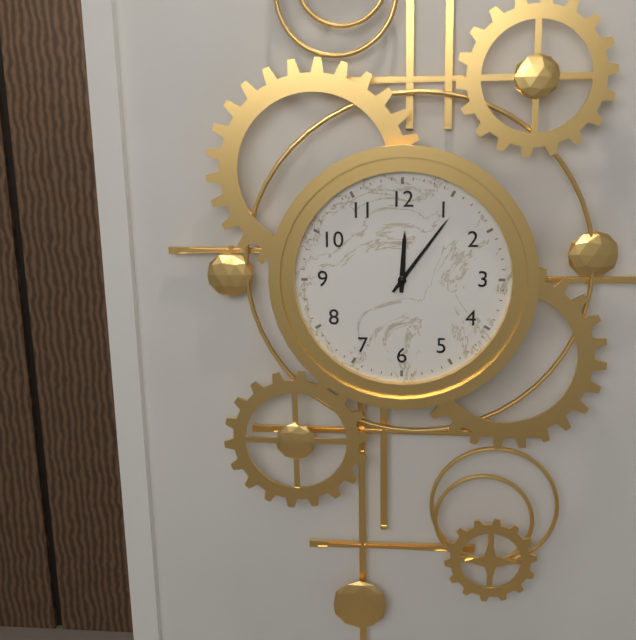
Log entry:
**12:06**
